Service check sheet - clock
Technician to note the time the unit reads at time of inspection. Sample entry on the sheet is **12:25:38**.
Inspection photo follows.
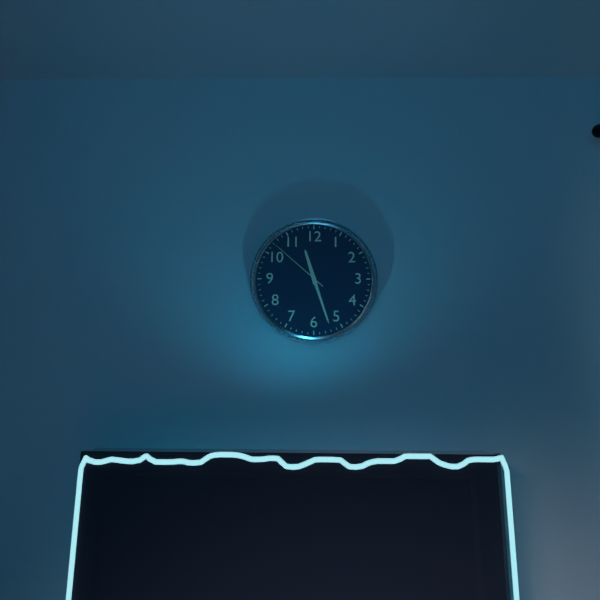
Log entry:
**11:27:52**
